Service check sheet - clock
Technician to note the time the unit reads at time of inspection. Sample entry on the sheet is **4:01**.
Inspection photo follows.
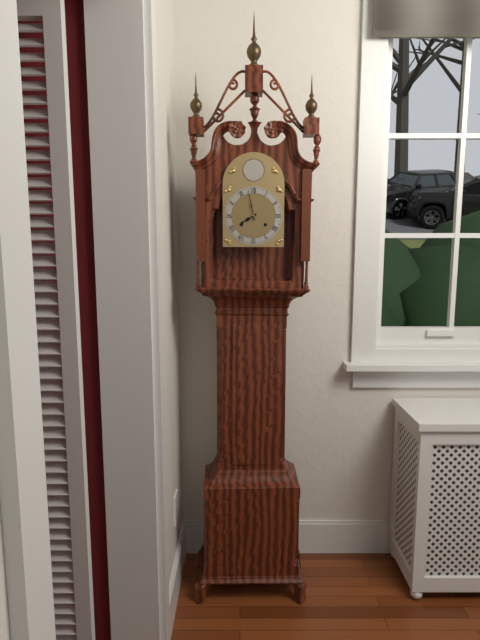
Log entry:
**7:58**
